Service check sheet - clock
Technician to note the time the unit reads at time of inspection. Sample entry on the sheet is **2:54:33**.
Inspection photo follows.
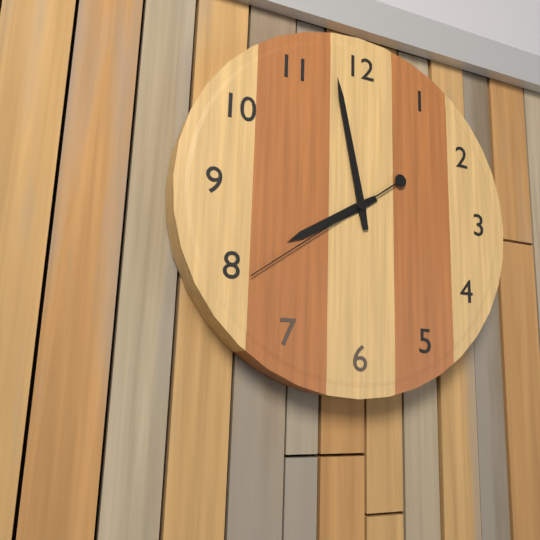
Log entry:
**7:58:39**
